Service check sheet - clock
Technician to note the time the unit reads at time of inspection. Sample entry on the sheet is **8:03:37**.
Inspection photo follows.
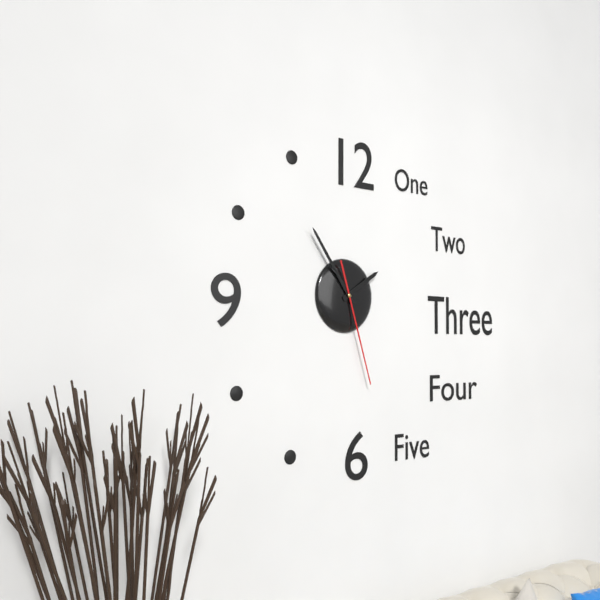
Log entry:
**1:54:27**
